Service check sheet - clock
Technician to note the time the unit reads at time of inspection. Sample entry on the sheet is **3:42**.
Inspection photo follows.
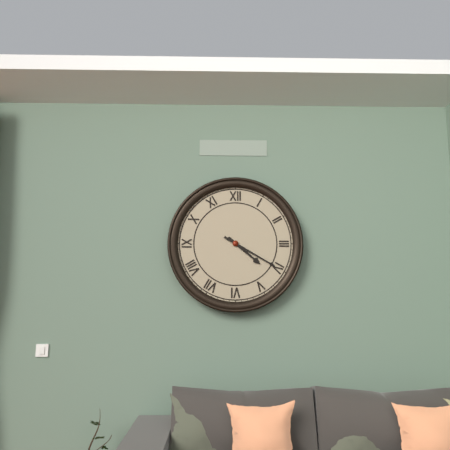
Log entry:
**4:20**
